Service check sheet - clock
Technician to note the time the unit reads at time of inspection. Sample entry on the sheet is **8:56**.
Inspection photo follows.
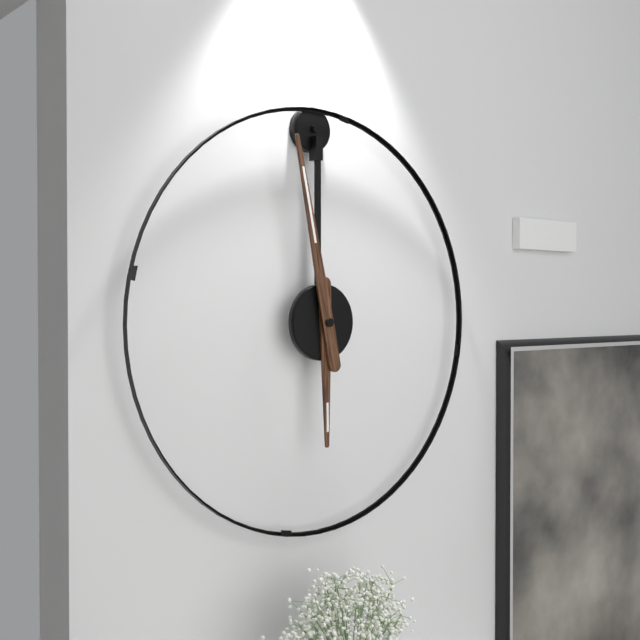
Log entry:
**5:58**
